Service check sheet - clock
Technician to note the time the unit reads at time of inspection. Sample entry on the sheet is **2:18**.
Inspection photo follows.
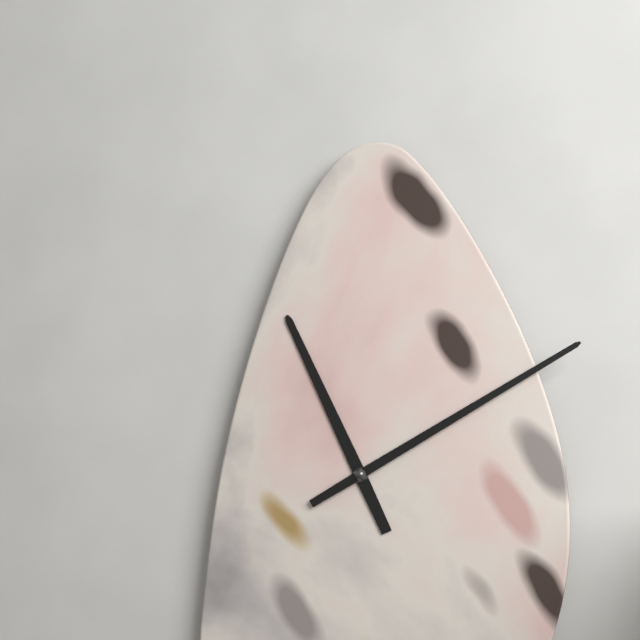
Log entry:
**11:10**
